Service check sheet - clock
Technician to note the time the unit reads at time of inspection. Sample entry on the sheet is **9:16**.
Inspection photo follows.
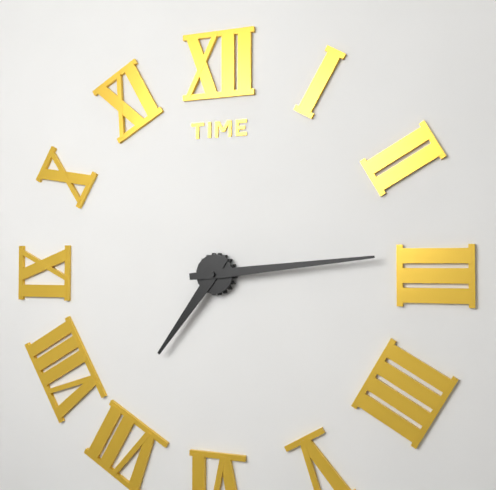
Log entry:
**7:14**
